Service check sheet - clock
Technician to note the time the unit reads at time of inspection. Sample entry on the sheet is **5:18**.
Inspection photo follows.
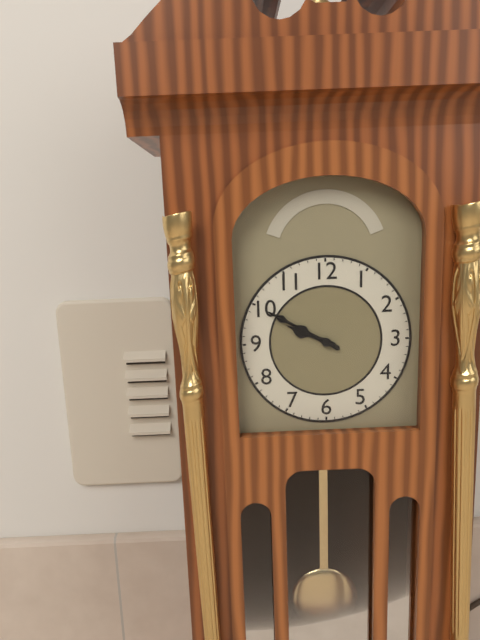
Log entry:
**9:50**
